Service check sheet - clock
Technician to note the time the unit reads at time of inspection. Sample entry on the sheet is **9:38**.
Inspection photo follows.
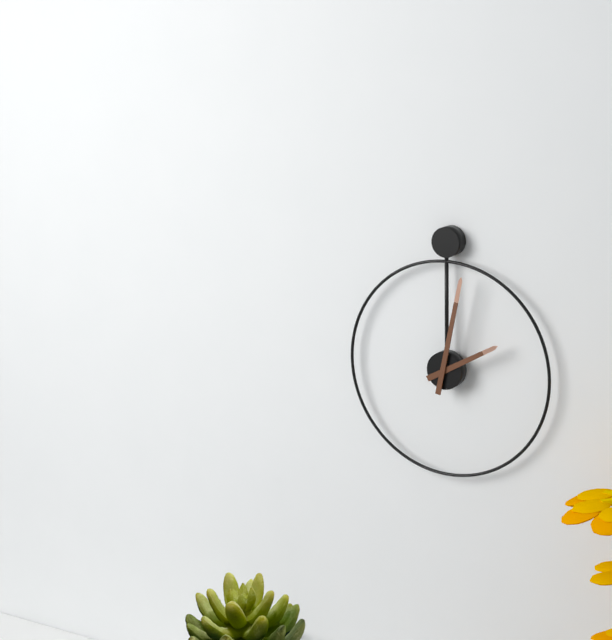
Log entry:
**2:02**
